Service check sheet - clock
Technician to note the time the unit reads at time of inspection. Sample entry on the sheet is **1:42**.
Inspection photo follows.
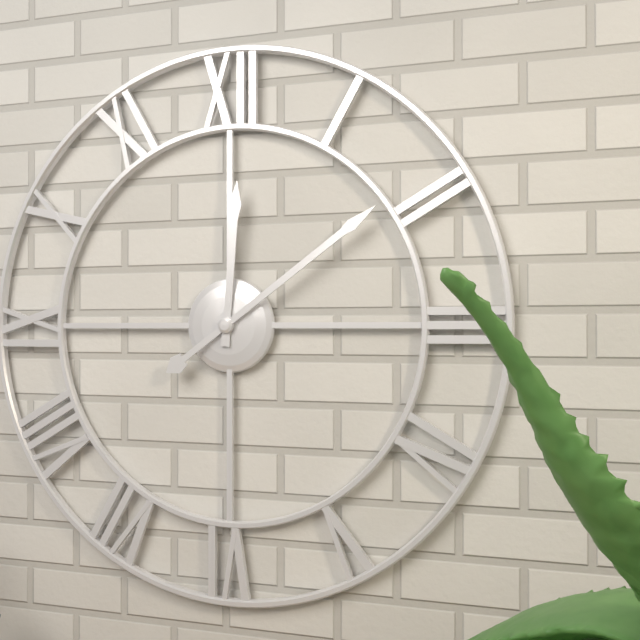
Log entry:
**12:09**
